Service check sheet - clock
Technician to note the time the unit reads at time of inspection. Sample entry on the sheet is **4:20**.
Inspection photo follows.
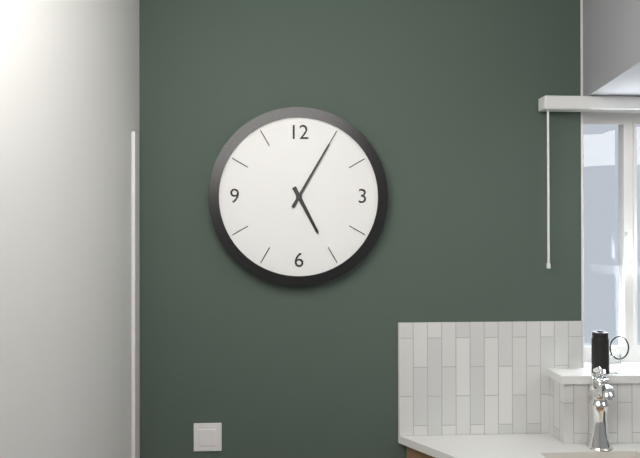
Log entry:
**5:05**
